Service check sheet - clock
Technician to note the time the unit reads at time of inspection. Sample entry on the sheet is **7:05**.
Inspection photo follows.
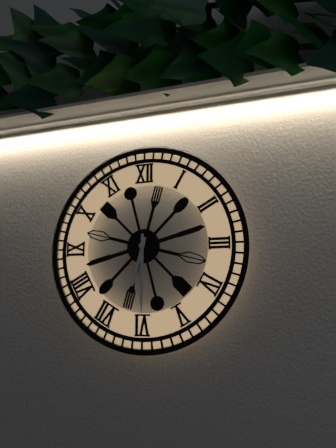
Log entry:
**6:30**
